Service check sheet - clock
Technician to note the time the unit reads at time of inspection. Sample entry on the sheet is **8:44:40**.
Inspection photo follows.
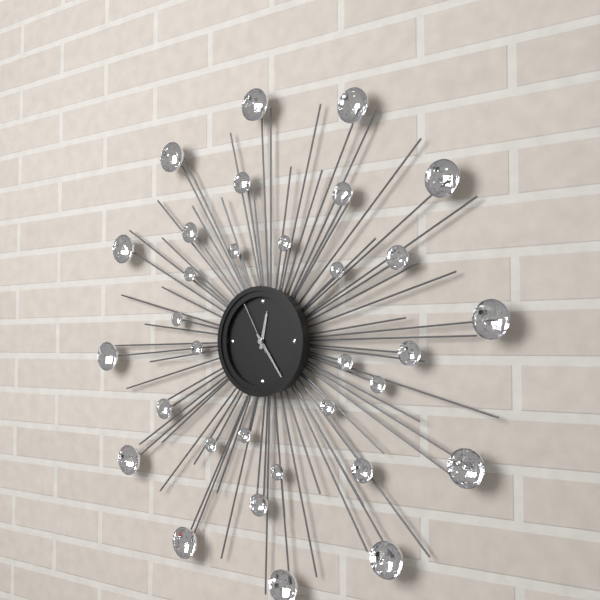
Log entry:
**12:24:55**
